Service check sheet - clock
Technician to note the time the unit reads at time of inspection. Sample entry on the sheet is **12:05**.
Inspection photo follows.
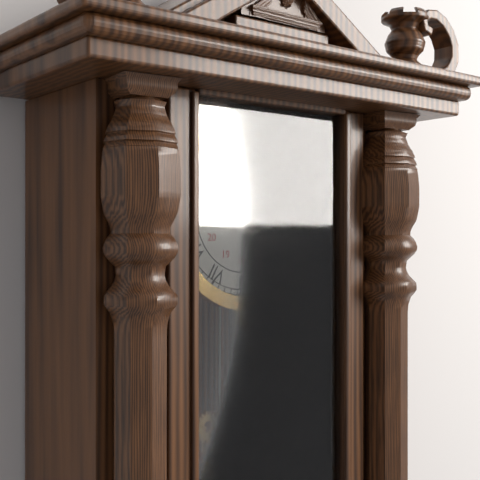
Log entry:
**10:01**
